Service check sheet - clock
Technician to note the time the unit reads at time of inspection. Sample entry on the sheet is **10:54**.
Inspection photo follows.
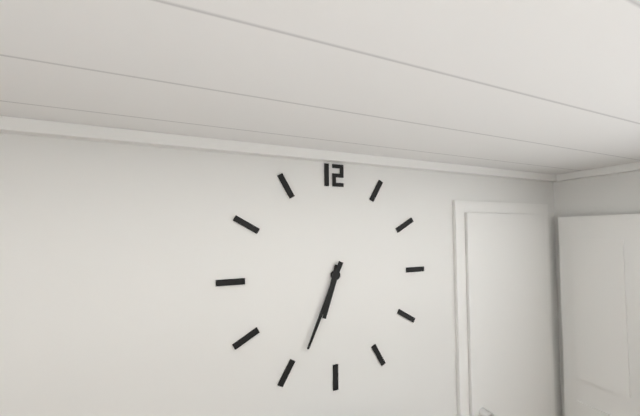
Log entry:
**6:34**
